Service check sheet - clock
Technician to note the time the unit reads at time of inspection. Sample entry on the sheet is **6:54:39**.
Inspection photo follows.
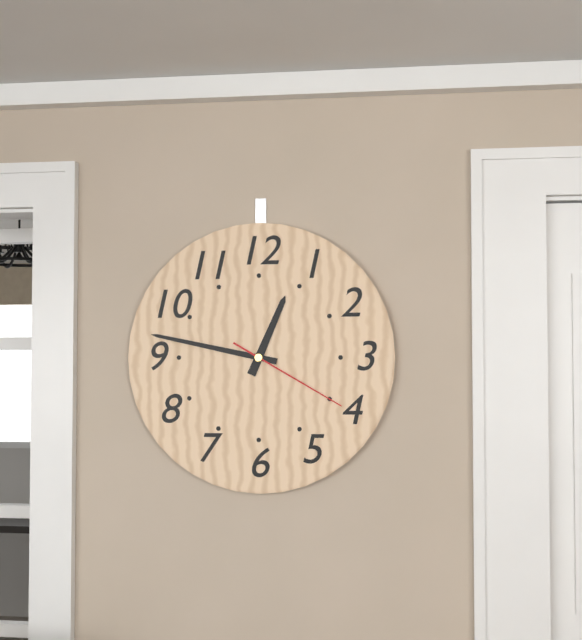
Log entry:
**12:47:20**
